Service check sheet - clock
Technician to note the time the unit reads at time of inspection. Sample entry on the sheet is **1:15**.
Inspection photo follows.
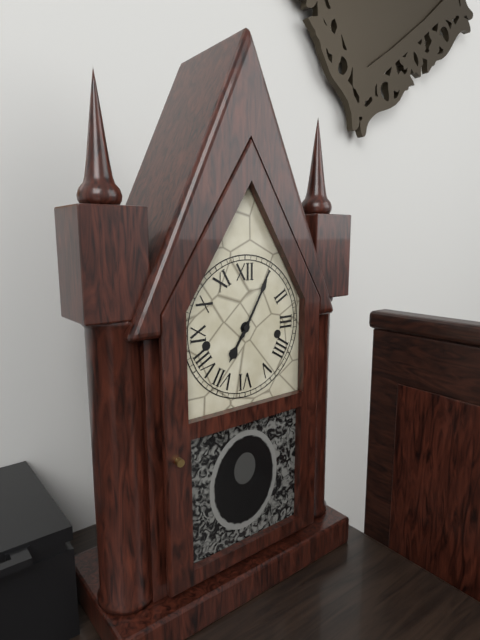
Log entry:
**7:05**
